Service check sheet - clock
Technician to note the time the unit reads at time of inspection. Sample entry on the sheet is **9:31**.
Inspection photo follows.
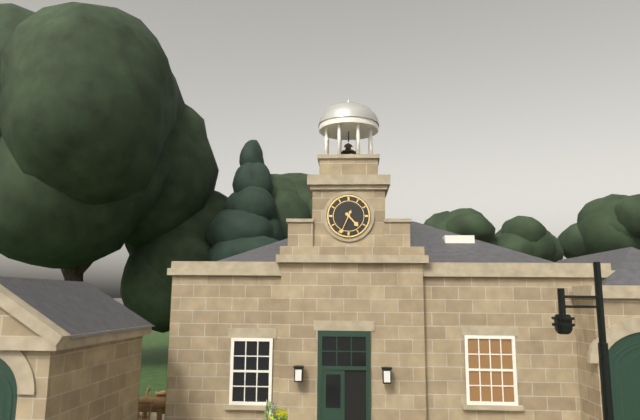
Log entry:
**4:34**
